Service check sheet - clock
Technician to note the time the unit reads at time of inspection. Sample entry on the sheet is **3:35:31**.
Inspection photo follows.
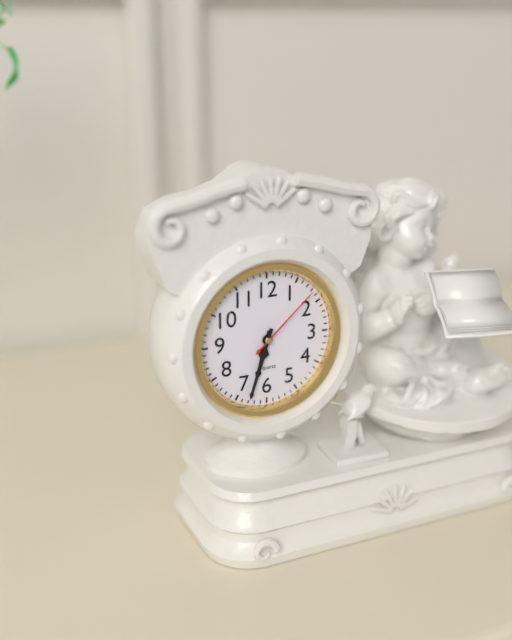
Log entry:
**6:33:08**
